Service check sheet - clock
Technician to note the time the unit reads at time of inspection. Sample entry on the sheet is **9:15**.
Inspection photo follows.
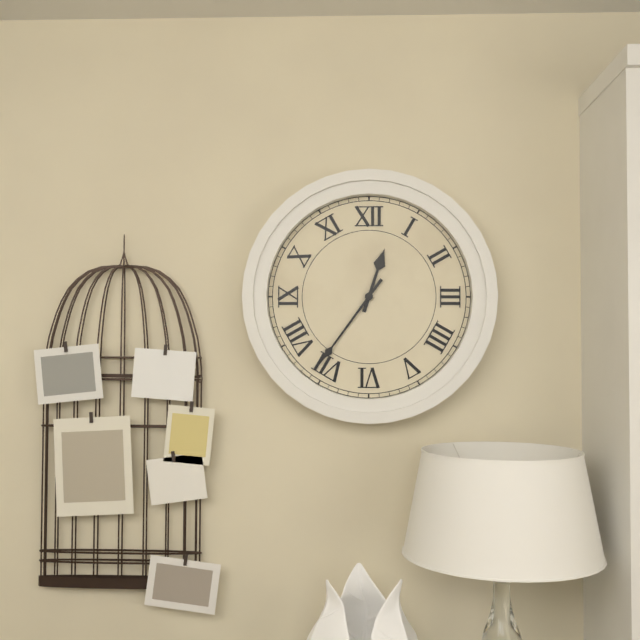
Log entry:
**12:36**
